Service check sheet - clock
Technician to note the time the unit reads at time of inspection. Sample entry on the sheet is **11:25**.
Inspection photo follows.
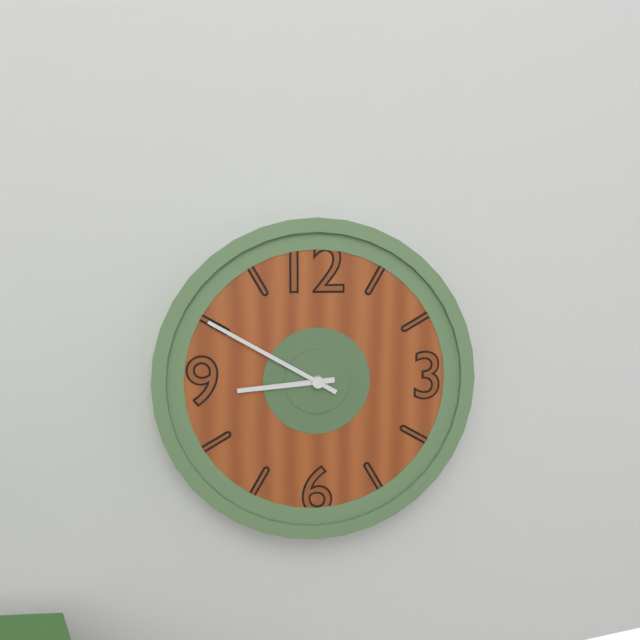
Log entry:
**8:50**
